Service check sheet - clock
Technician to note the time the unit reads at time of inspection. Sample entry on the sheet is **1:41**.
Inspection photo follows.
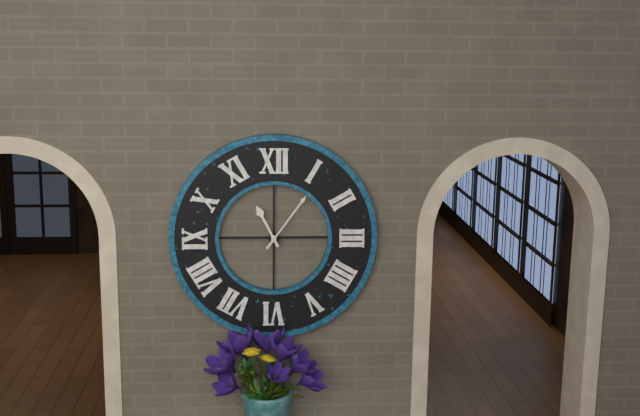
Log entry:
**11:06**
